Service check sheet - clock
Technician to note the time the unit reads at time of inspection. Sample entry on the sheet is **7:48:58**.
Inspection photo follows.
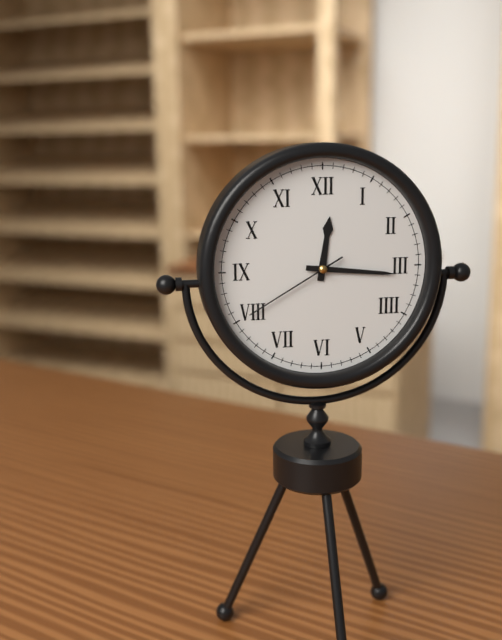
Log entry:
**12:16:40**
